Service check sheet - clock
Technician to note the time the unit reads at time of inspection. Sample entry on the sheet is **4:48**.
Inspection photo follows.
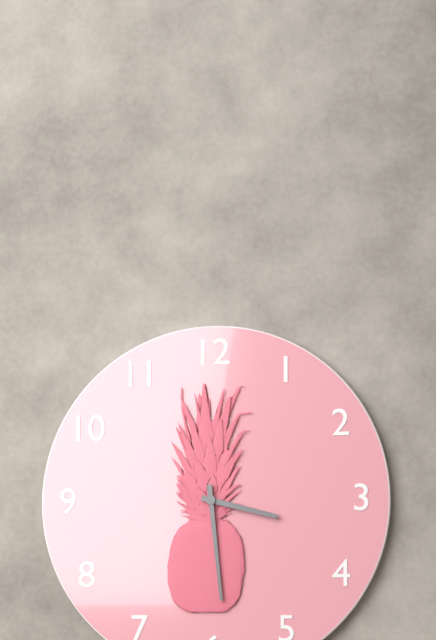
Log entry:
**3:29**
